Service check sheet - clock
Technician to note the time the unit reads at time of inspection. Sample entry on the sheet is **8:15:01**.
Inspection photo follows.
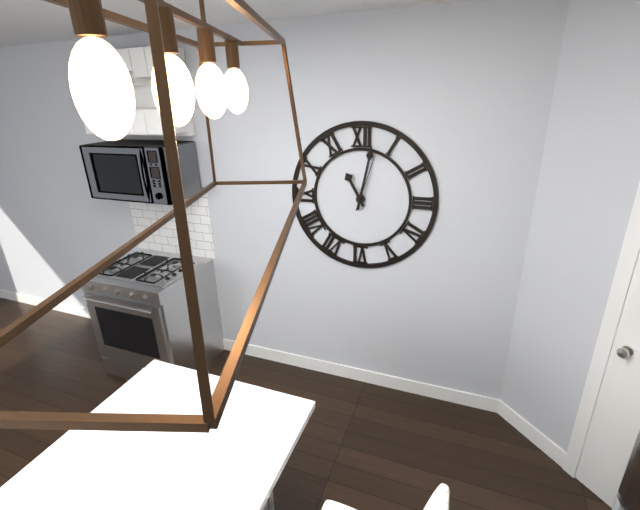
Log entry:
**11:02:03**
